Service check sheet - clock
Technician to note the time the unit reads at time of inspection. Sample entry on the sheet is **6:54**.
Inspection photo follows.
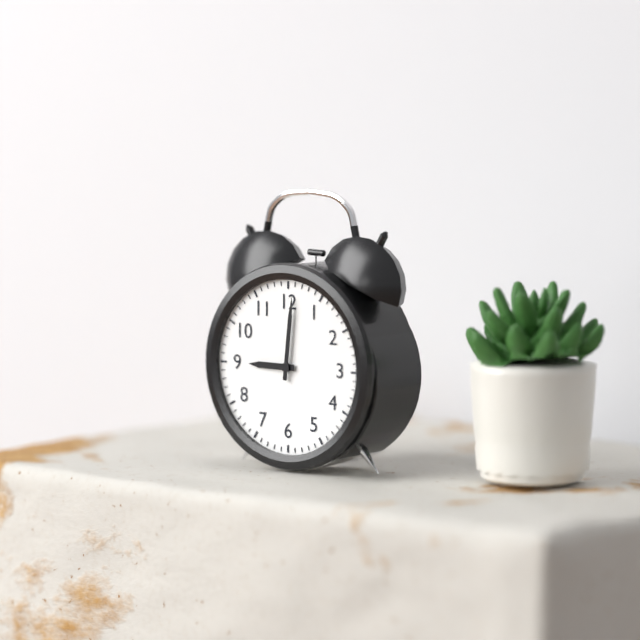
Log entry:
**9:01**
